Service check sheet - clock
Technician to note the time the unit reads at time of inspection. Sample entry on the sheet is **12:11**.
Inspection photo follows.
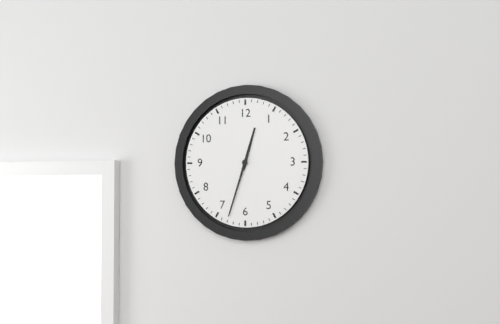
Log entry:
**12:33**
